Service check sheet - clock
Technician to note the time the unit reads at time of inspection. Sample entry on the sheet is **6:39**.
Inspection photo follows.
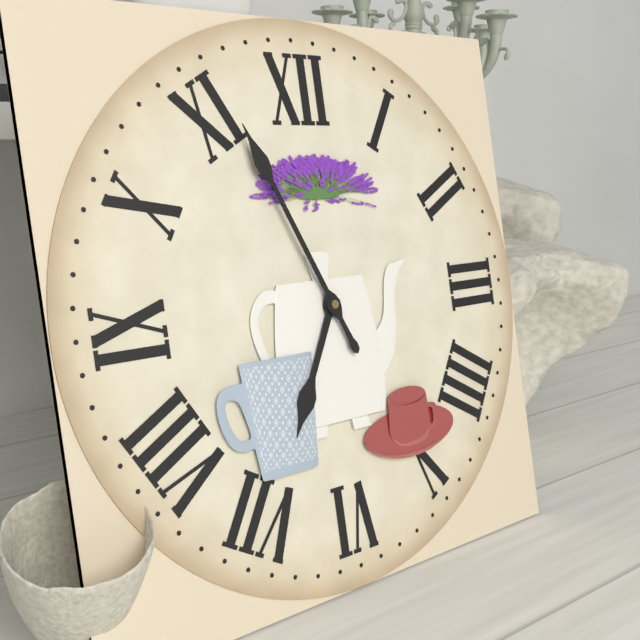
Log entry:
**6:56**
